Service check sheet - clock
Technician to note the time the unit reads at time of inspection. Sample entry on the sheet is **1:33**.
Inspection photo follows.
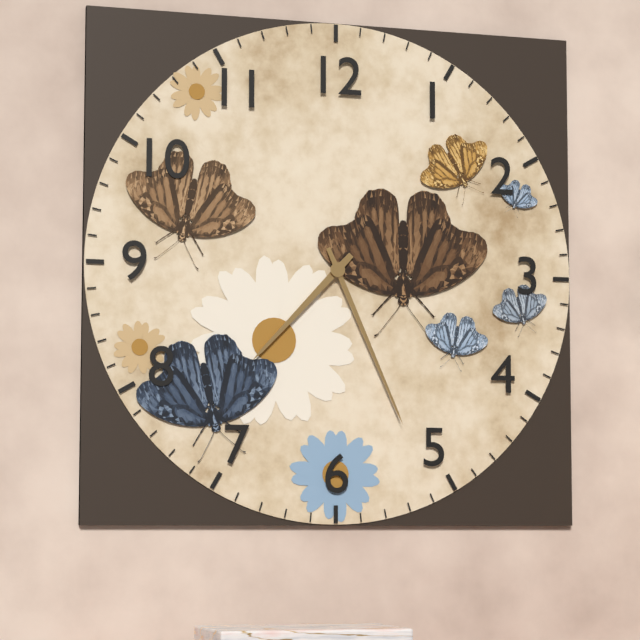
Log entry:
**7:26**
